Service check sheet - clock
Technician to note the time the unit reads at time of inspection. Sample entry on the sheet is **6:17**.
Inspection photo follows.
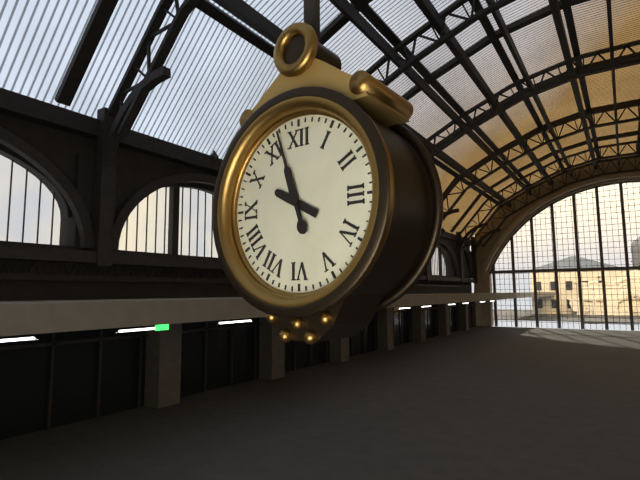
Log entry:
**9:57**
